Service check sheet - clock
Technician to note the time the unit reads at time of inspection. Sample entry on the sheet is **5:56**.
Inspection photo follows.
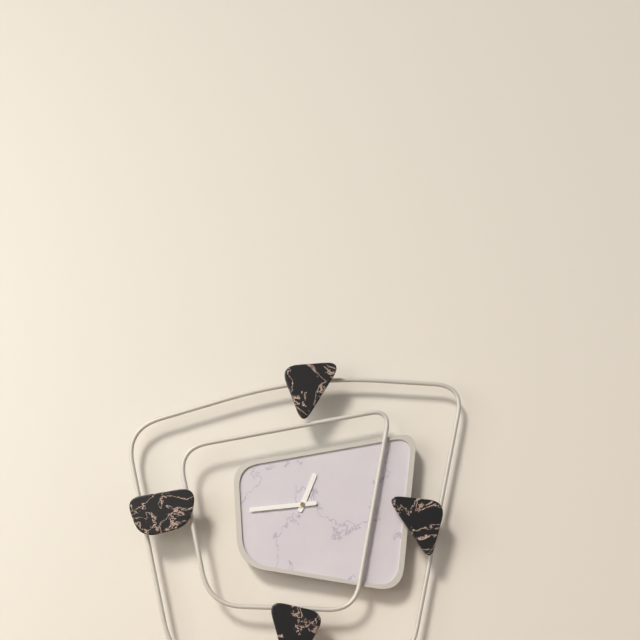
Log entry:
**12:44**
